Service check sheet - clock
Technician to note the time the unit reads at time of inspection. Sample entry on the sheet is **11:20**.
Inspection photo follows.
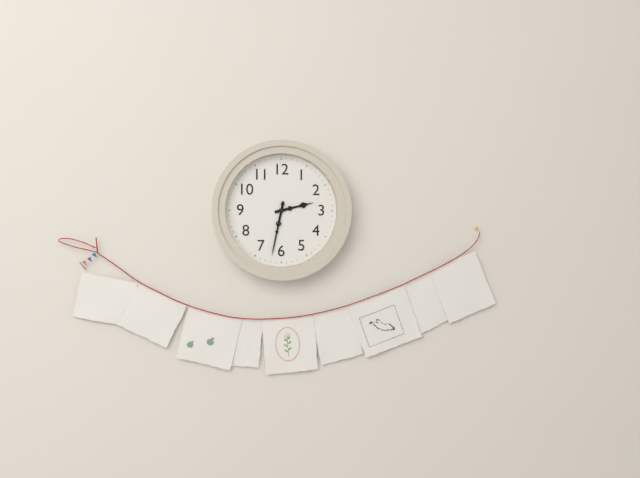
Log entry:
**2:32**
